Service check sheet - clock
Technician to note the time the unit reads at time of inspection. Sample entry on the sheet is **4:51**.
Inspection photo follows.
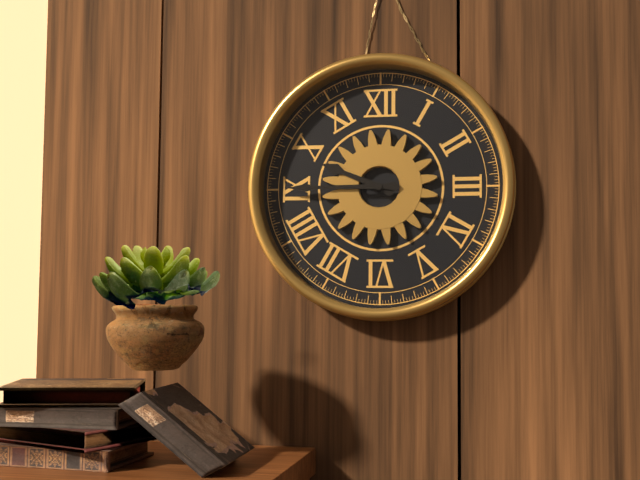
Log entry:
**9:45**
